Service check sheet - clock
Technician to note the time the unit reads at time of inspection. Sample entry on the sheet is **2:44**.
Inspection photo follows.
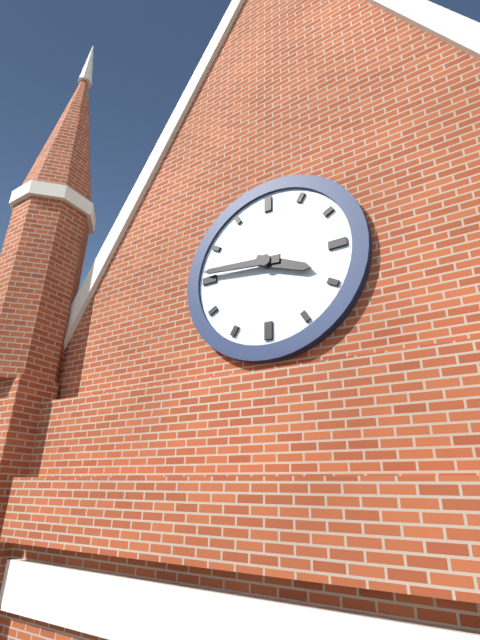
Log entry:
**3:46**
